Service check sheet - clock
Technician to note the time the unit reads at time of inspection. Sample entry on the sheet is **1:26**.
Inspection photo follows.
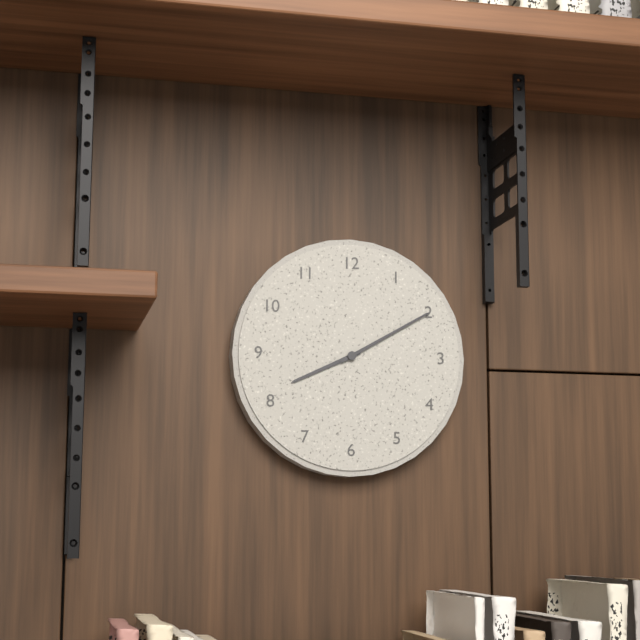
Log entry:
**8:10**
